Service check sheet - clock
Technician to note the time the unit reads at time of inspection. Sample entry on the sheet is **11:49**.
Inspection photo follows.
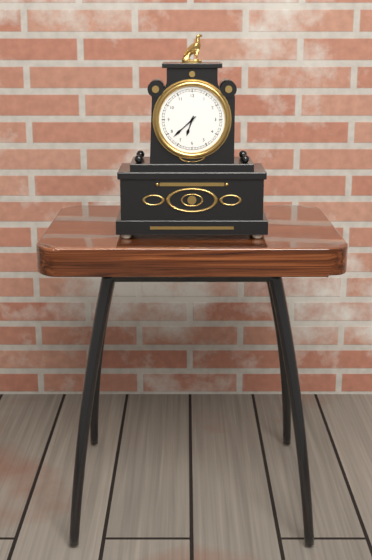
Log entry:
**6:38**
